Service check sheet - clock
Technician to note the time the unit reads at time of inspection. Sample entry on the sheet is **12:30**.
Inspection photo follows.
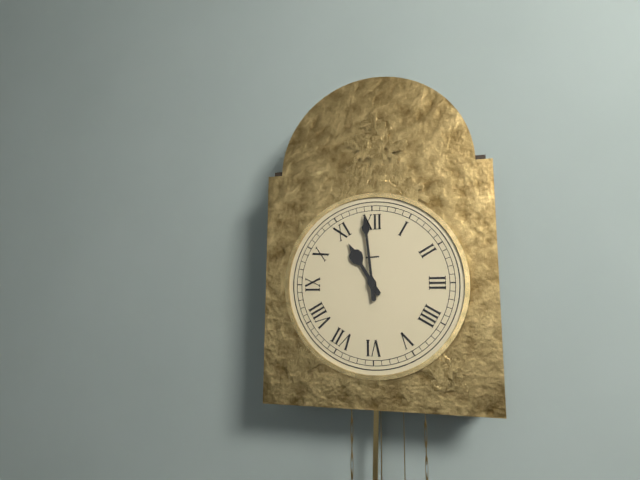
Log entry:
**10:59**
